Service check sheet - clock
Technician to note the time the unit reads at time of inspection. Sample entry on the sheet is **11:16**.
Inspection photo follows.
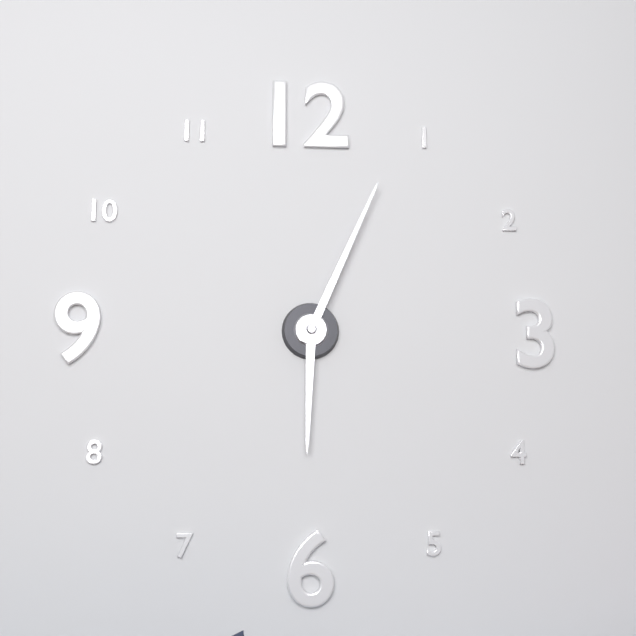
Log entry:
**6:04**
